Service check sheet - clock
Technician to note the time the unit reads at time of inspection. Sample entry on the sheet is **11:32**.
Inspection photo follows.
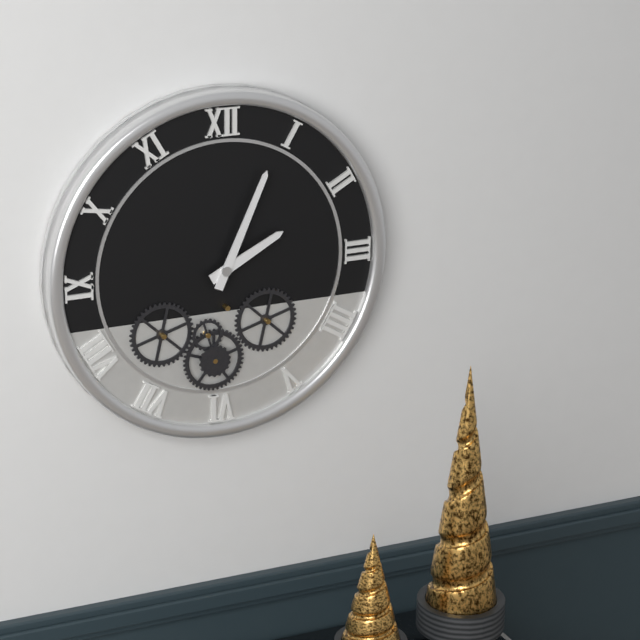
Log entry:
**2:04**
